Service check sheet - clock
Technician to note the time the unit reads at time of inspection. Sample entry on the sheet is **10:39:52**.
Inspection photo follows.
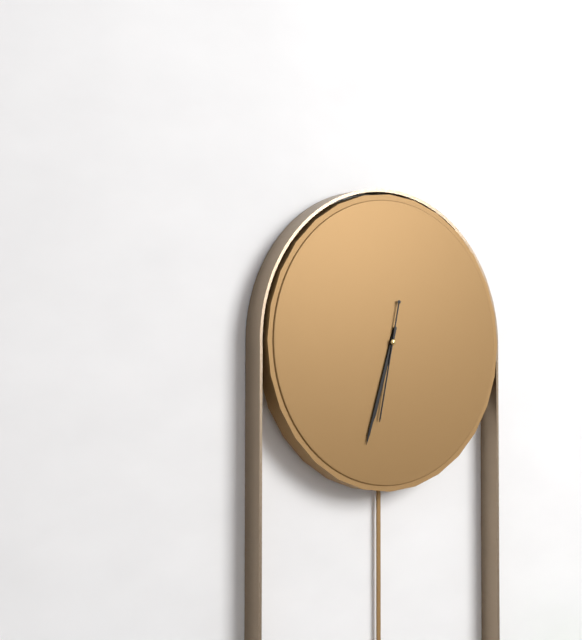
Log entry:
**6:33:32**
